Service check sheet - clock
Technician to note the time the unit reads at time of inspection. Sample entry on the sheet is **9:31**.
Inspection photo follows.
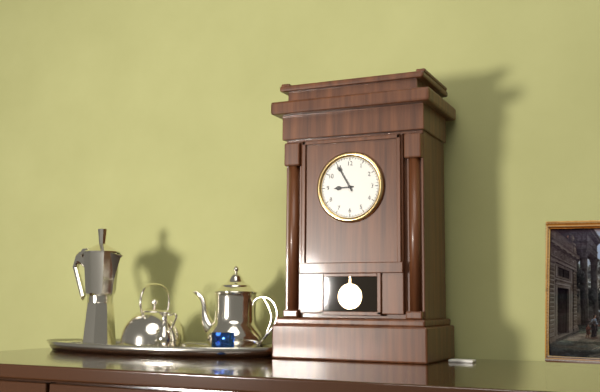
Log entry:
**8:55**
